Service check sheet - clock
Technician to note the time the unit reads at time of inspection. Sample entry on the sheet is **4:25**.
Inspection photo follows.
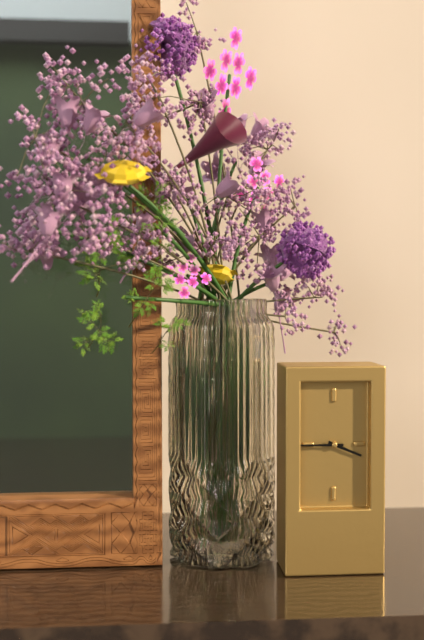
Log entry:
**3:45**
